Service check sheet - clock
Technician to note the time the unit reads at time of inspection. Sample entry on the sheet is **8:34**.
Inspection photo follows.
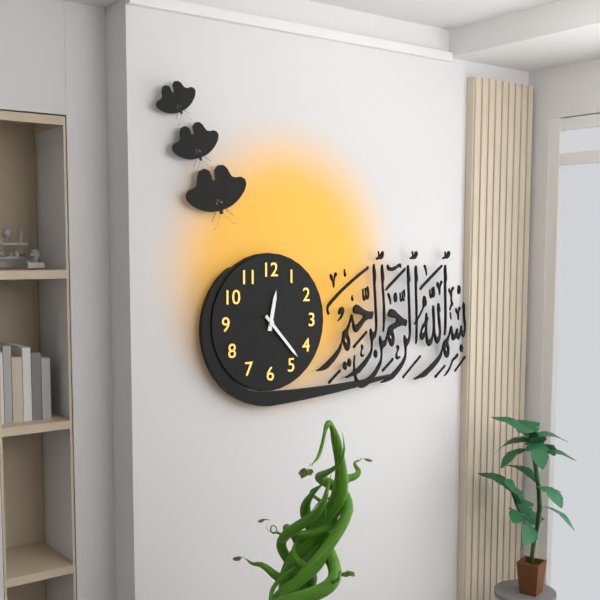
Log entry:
**12:23**
